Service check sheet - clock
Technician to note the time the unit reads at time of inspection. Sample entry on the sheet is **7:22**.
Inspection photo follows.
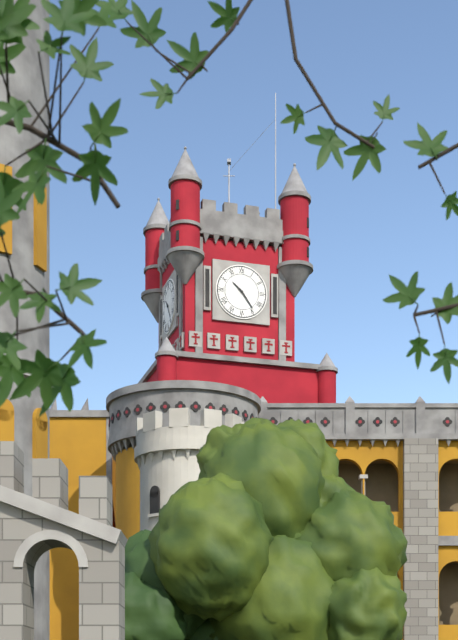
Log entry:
**10:24**
